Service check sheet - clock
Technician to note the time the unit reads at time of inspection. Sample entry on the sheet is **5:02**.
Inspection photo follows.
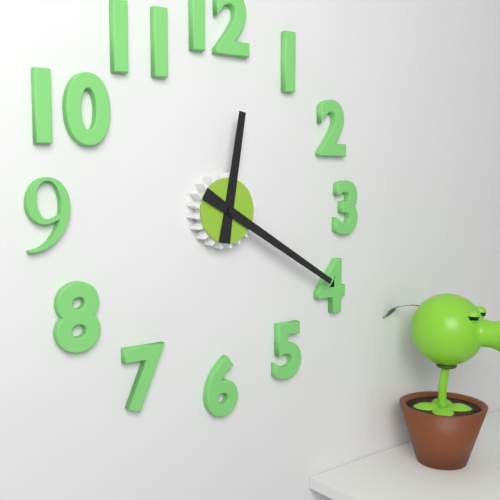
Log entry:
**12:20**
